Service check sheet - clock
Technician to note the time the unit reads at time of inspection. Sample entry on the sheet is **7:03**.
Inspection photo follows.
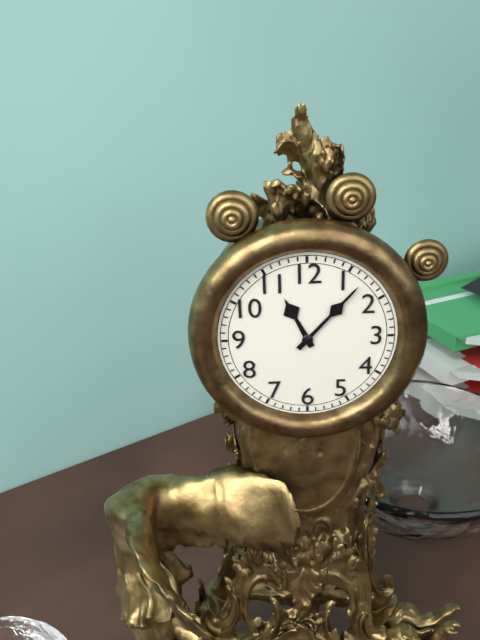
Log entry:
**11:07**
